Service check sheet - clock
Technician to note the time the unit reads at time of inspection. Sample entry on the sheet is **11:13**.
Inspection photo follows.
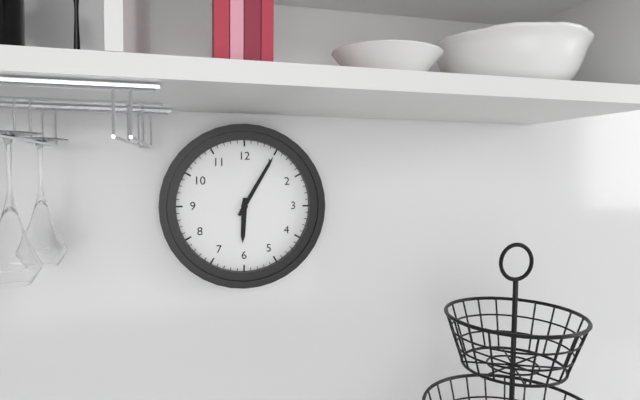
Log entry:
**6:05**
